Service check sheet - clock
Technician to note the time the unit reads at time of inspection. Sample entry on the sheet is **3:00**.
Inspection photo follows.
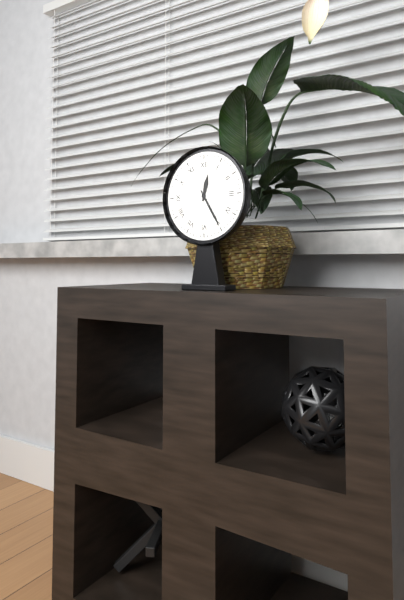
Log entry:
**12:25**
